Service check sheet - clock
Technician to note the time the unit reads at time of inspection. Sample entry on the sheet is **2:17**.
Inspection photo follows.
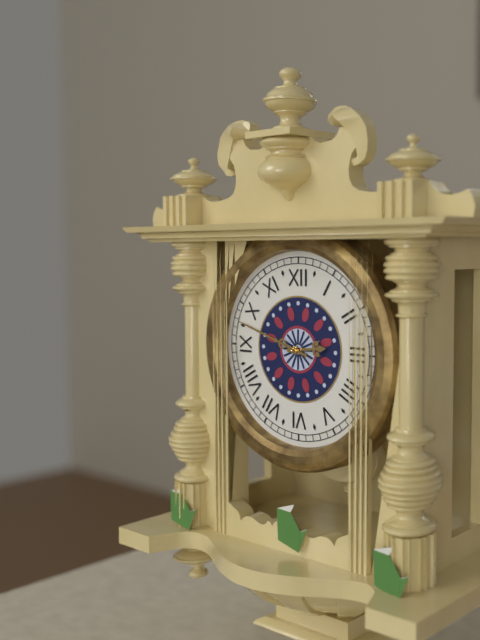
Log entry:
**2:48**
